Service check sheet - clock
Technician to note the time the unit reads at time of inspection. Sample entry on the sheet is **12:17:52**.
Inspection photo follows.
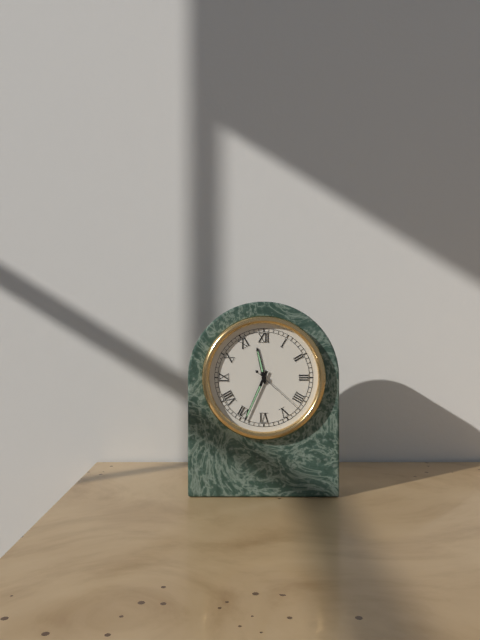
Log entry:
**11:34:22**
